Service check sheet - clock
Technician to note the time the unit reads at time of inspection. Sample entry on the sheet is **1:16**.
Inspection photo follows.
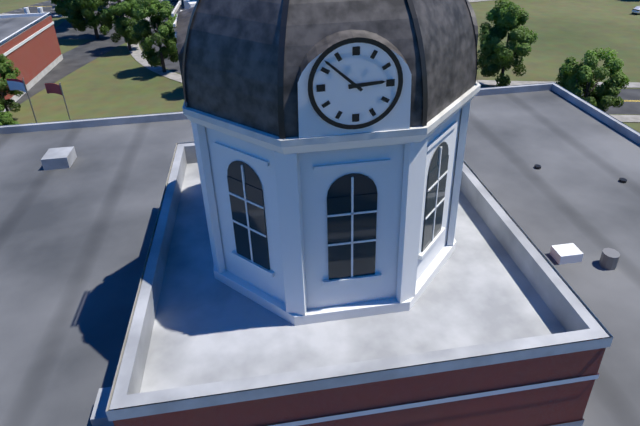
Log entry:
**2:52**
